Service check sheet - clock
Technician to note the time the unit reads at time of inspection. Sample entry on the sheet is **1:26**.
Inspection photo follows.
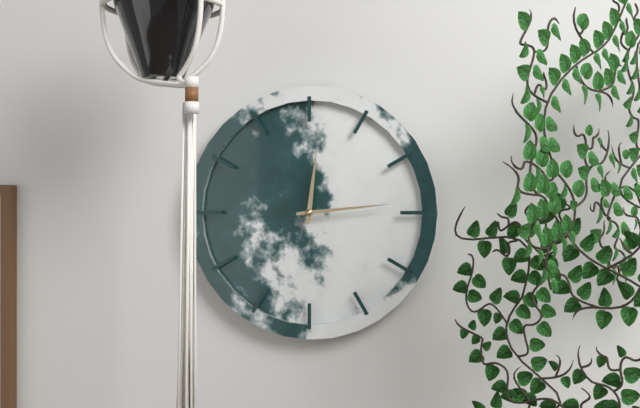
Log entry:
**12:14**
